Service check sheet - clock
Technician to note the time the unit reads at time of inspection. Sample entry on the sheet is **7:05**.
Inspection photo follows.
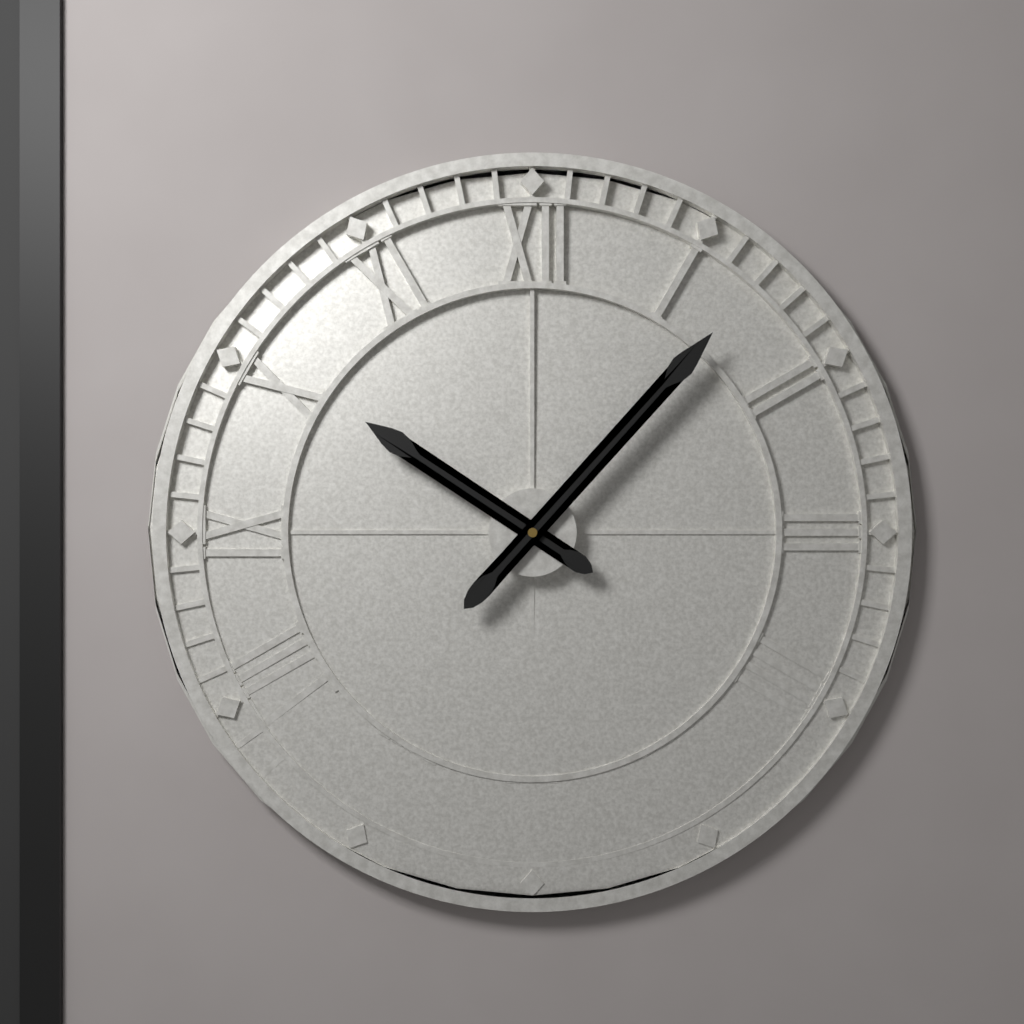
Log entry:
**10:07**
